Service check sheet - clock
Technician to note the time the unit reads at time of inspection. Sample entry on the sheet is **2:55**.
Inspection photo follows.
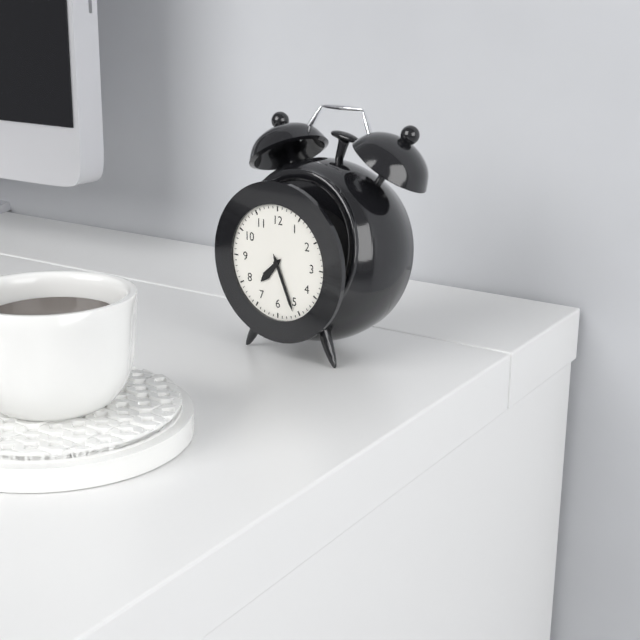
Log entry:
**7:26**
